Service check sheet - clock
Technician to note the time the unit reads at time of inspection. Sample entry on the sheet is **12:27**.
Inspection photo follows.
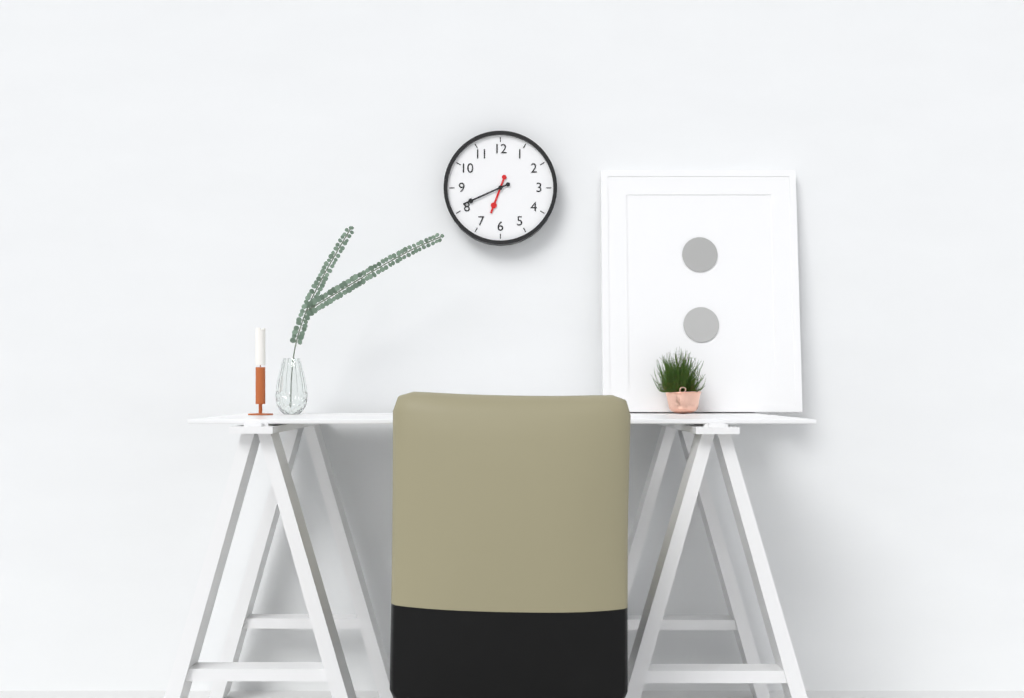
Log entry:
**6:41**
